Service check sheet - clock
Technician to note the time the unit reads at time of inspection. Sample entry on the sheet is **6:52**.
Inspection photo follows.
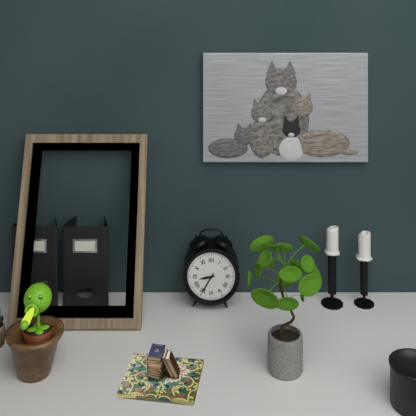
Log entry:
**8:35**
